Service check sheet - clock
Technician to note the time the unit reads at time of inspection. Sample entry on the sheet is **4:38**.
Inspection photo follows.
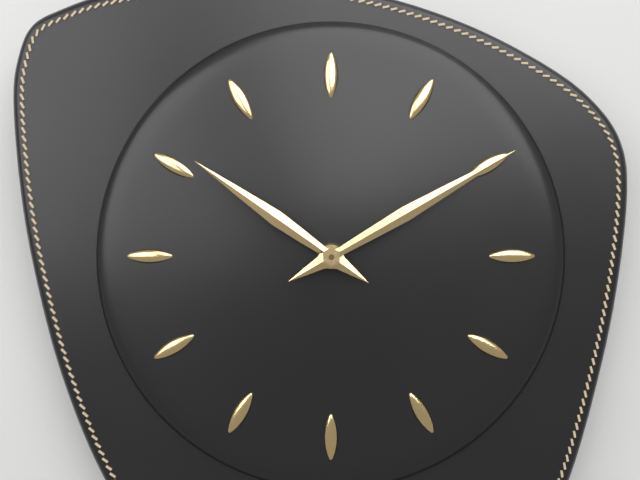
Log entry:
**10:10**
